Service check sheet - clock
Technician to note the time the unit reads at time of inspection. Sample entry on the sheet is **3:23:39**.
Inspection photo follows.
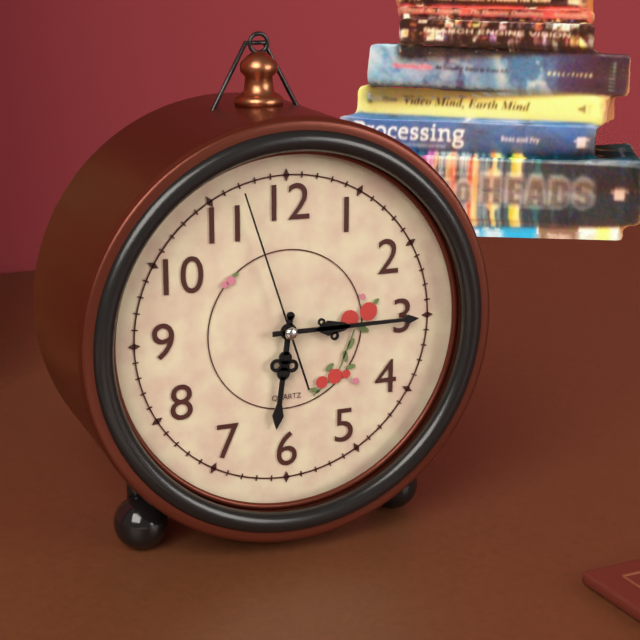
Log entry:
**6:15:57**
